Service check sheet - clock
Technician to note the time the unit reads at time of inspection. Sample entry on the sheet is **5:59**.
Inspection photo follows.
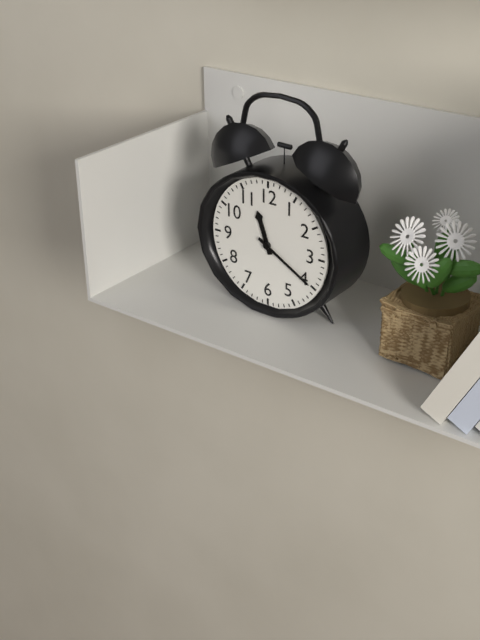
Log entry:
**11:20**
